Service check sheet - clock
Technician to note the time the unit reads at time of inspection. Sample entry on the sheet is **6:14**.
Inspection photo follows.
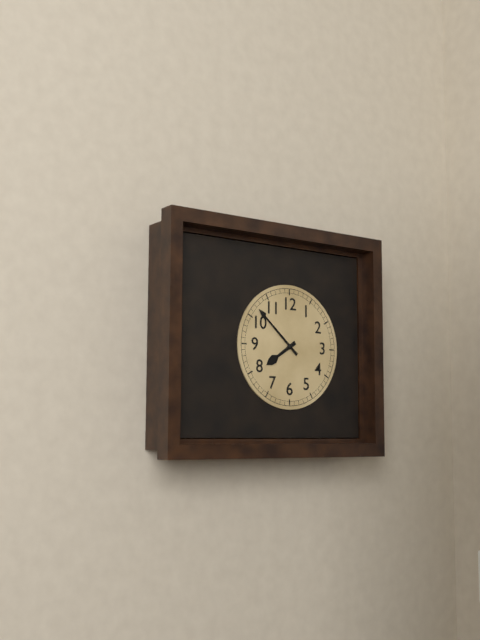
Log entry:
**7:52**
